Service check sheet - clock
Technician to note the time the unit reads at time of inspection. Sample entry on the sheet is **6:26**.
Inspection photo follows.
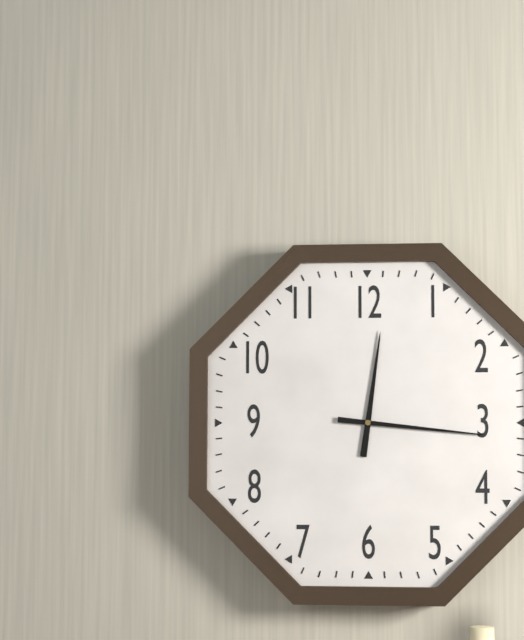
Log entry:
**12:16**
